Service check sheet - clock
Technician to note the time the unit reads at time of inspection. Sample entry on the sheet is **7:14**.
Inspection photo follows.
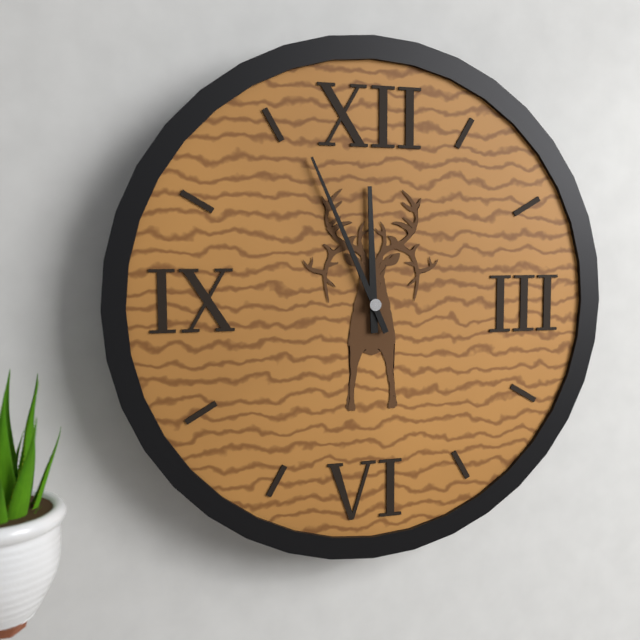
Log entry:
**11:56**
